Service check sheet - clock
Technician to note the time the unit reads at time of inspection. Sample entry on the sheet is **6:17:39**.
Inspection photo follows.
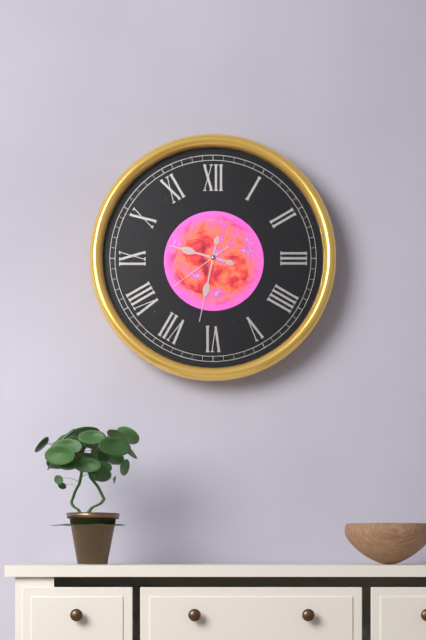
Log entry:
**9:32:39**
